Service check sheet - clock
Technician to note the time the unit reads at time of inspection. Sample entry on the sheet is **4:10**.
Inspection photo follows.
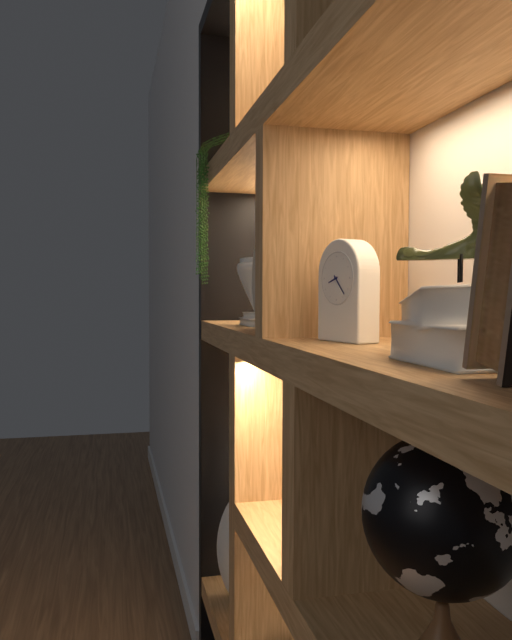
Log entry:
**8:23**
